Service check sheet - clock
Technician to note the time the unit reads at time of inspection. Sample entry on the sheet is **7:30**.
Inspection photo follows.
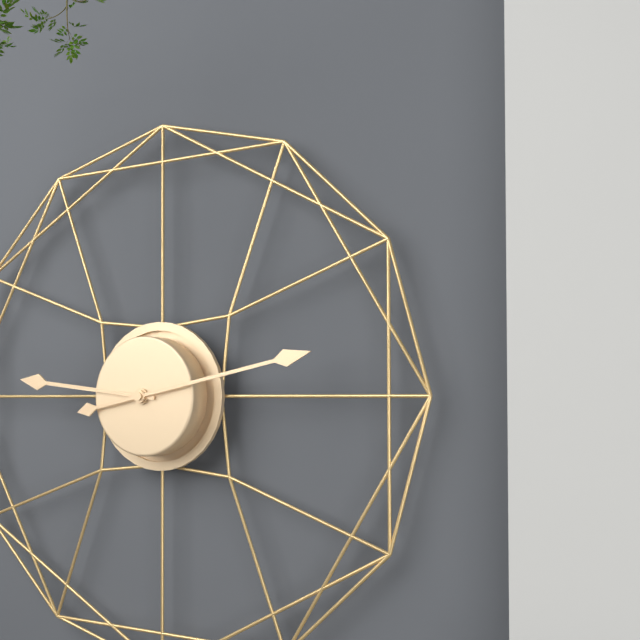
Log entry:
**9:13**
